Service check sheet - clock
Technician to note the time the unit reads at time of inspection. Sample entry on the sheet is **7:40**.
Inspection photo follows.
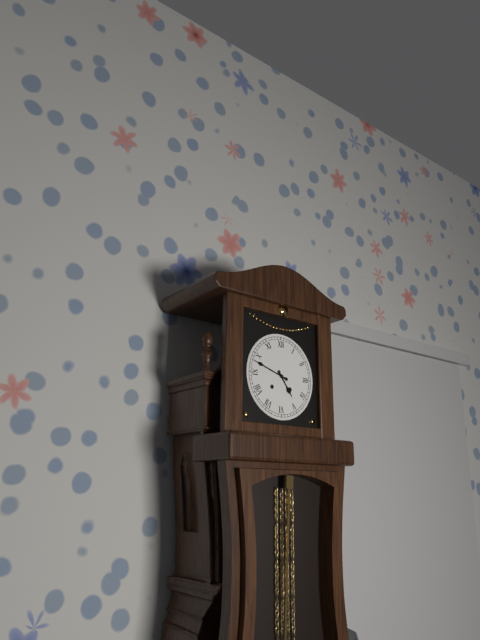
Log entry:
**4:48**
